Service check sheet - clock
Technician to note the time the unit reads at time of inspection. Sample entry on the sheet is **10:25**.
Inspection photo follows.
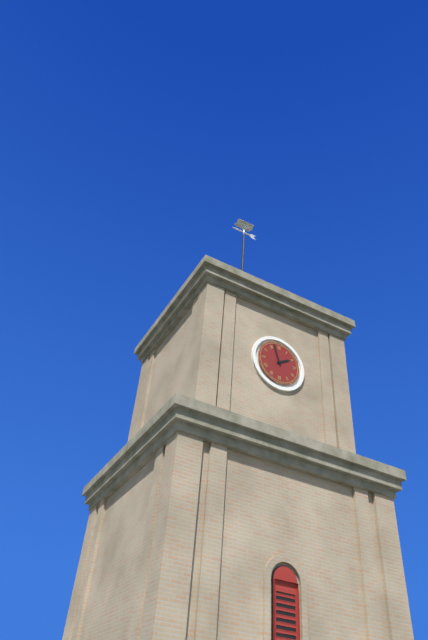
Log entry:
**1:57**
